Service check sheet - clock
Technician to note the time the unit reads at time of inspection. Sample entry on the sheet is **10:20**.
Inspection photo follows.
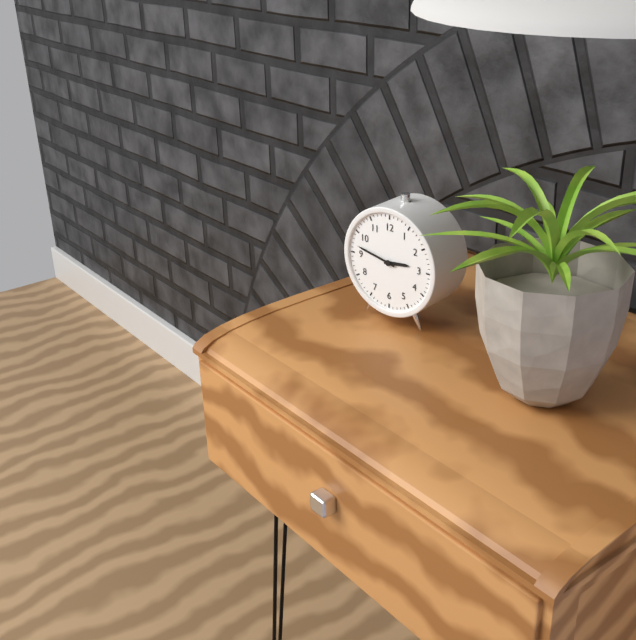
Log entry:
**2:47**
